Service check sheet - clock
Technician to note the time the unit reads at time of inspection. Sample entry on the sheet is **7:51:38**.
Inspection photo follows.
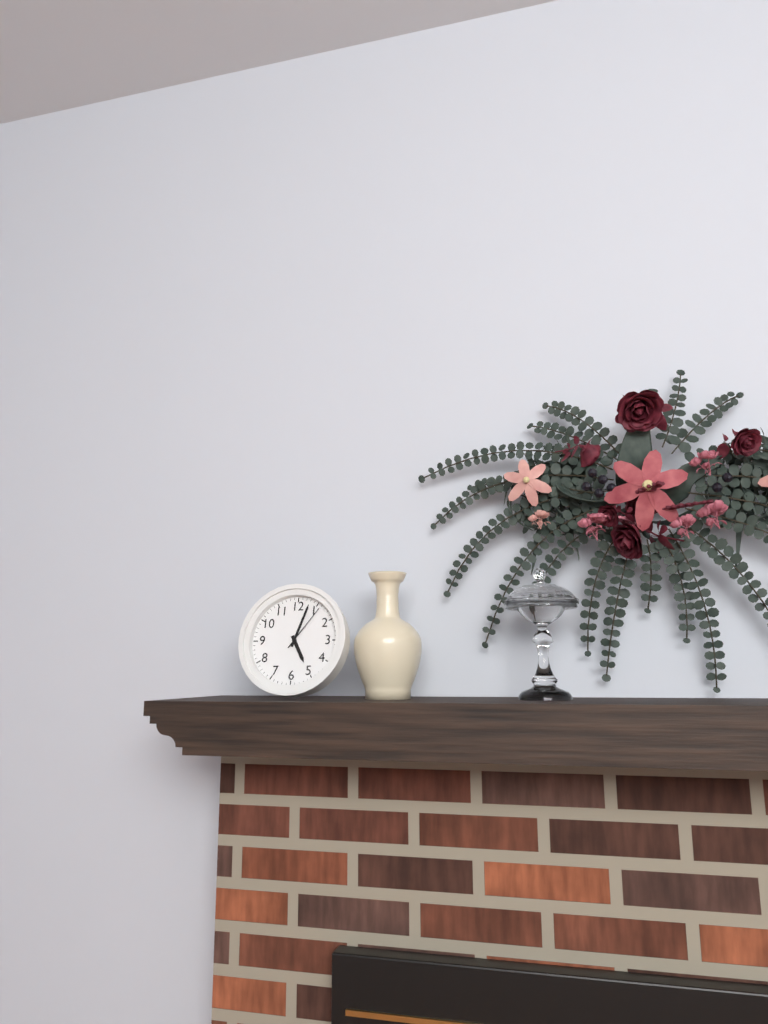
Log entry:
**5:03:06**
